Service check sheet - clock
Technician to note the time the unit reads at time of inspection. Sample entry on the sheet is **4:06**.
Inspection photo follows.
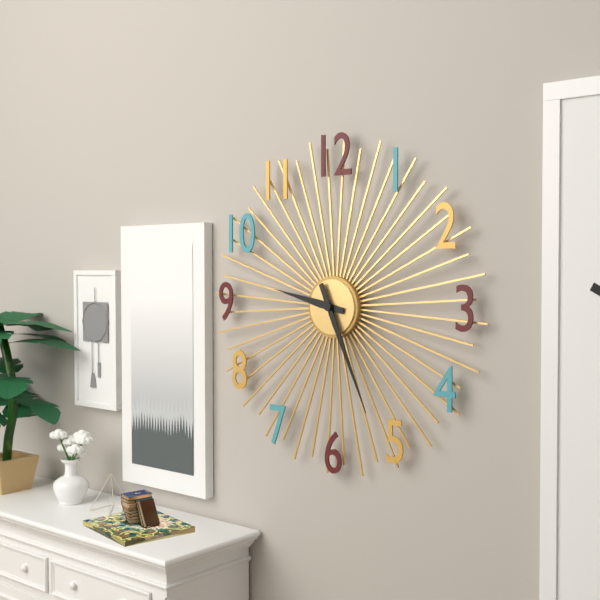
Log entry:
**9:26**
